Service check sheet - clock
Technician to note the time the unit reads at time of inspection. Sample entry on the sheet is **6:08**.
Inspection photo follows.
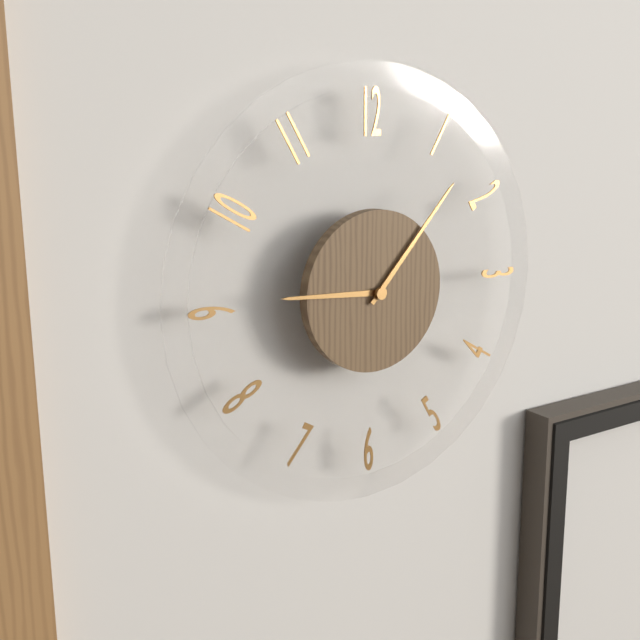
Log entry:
**9:07**
